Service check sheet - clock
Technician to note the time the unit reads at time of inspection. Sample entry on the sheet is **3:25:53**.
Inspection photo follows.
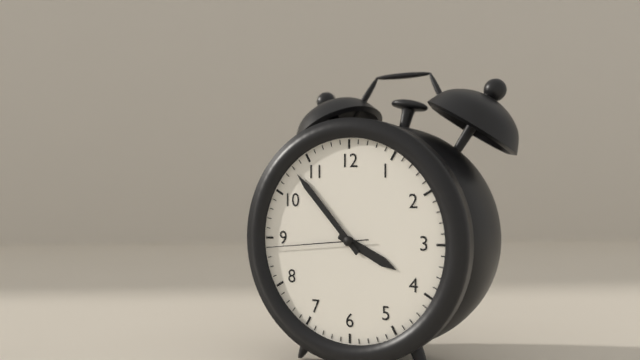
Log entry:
**3:53:44**
